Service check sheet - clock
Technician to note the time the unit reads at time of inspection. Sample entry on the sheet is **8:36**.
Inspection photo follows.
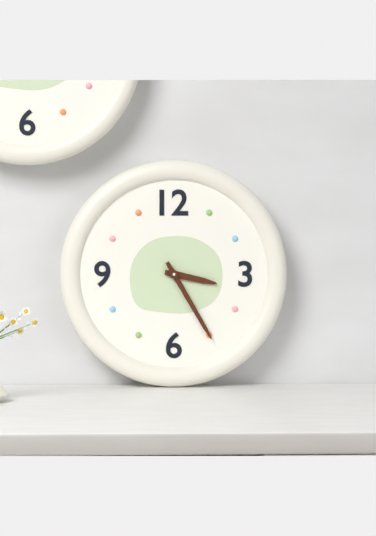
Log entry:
**3:25**
